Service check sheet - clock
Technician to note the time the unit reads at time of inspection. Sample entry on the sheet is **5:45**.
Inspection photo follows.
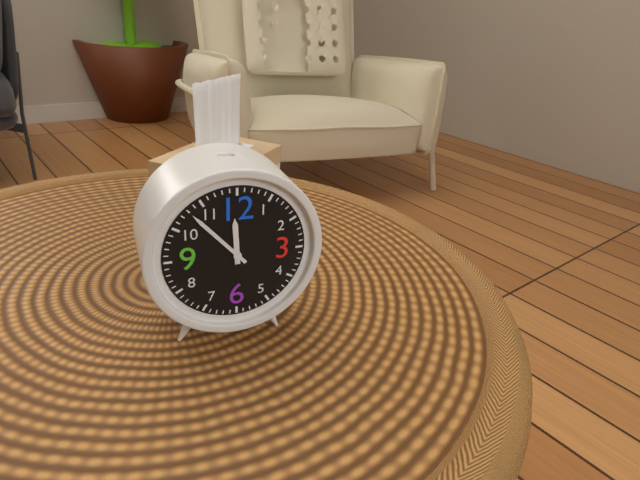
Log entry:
**11:53**
